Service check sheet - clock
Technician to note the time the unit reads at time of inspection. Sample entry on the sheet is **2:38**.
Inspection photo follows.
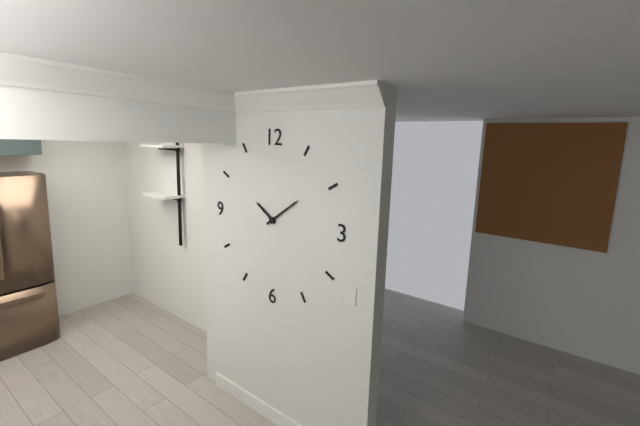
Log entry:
**10:09**
